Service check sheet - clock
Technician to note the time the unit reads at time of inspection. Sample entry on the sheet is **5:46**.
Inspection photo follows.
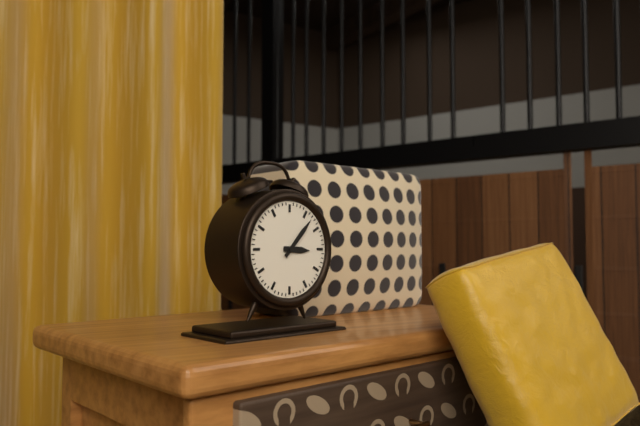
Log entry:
**3:07**
